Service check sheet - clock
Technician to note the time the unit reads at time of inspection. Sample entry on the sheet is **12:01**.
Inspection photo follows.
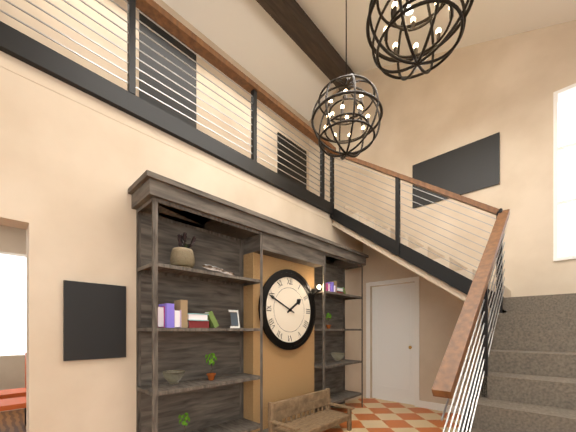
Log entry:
**1:49**
